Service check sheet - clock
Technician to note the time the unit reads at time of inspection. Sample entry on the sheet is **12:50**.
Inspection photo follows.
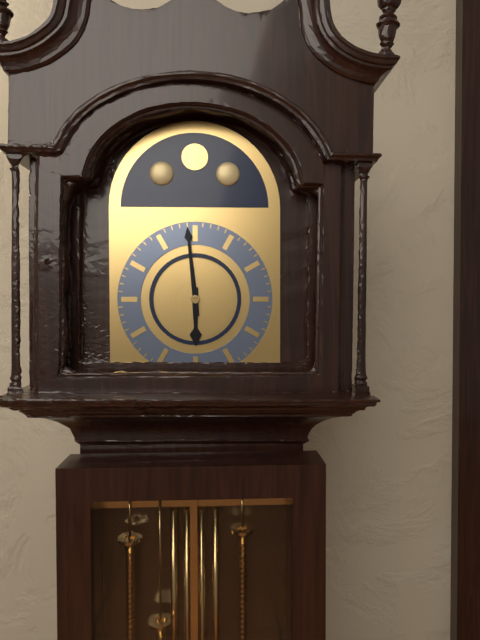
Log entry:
**5:59**
